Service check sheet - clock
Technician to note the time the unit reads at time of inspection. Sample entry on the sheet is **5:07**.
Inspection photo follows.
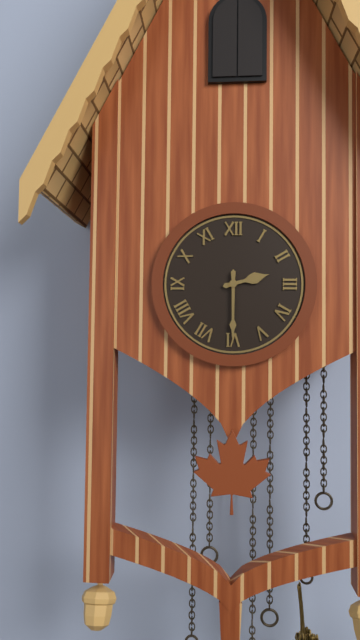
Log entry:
**2:30**
